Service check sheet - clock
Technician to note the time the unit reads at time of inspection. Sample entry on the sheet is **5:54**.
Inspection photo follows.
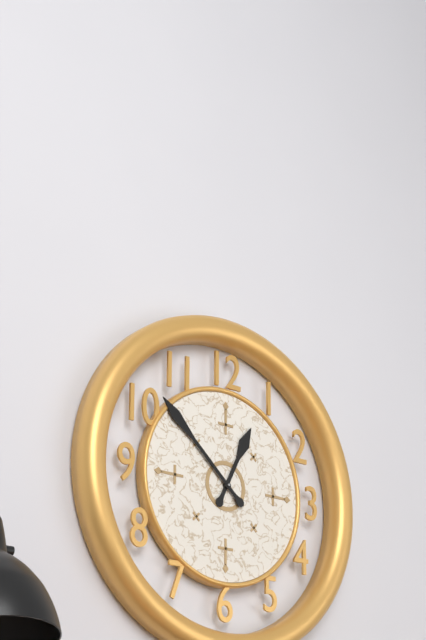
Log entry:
**12:52**
